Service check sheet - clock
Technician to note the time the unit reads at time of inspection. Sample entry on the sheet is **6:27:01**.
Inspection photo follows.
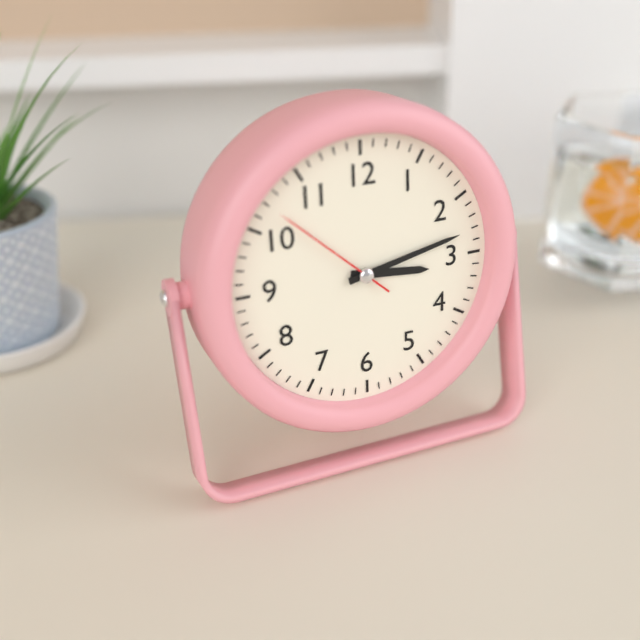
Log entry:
**3:13:52**
